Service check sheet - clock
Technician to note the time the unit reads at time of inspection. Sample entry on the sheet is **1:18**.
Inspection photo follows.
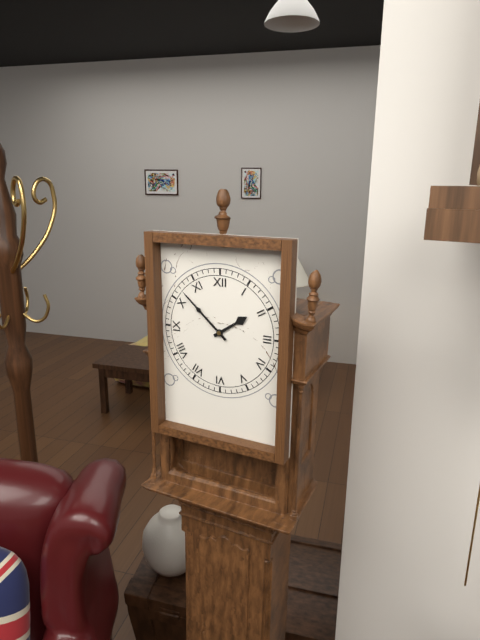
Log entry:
**1:52**
